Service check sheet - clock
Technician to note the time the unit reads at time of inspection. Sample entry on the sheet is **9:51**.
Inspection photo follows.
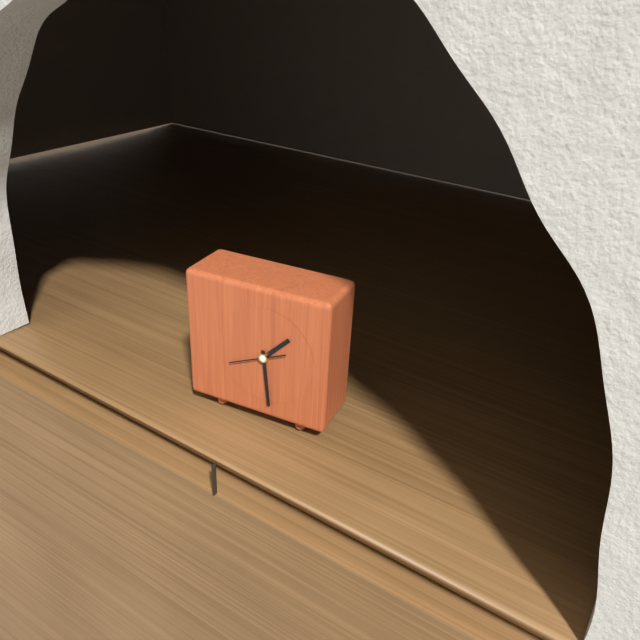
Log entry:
**1:29**
